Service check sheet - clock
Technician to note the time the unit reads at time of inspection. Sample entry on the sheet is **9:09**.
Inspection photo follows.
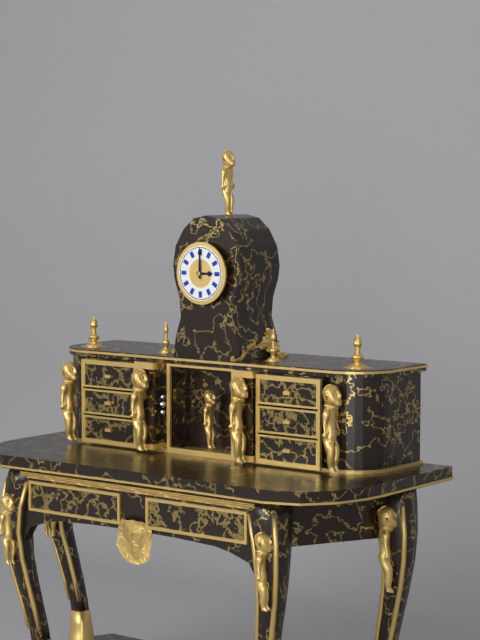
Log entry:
**3:00**
